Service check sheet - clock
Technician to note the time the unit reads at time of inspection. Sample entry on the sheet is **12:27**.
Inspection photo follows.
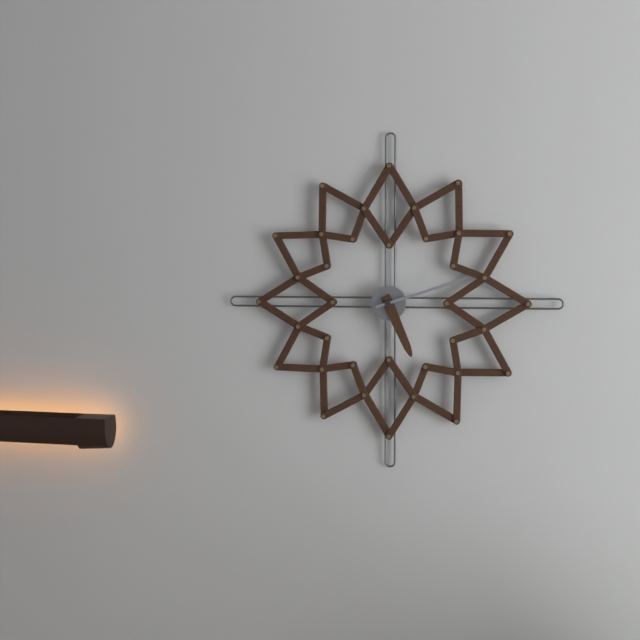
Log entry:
**5:12**
